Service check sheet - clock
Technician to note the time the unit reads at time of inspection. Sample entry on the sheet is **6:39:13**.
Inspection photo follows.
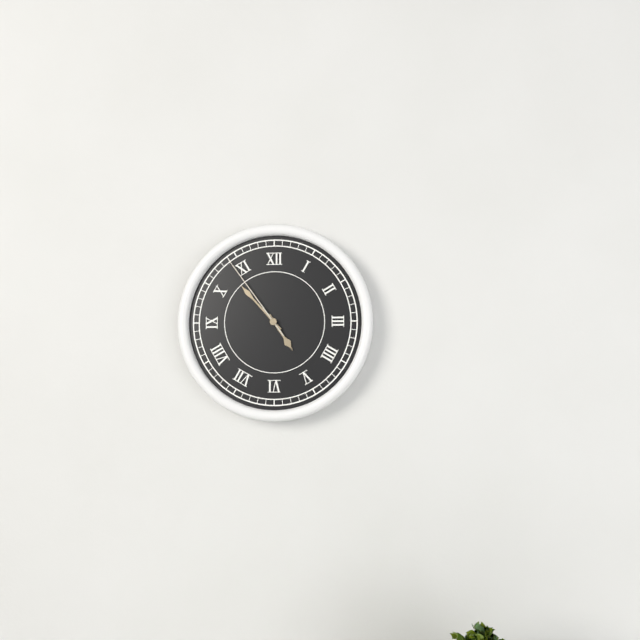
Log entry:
**4:53:54**
